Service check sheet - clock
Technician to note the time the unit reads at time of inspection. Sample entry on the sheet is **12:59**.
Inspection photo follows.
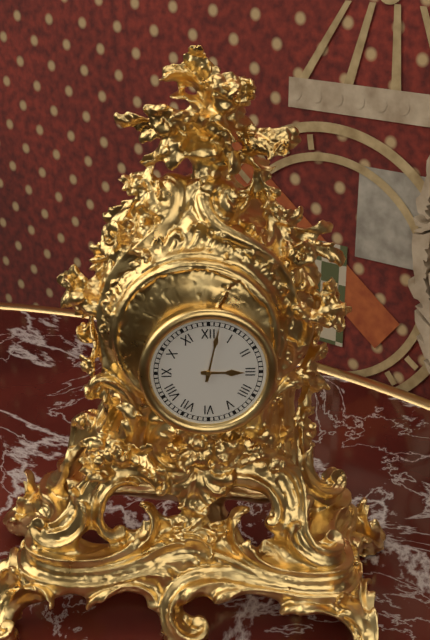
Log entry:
**3:02**
